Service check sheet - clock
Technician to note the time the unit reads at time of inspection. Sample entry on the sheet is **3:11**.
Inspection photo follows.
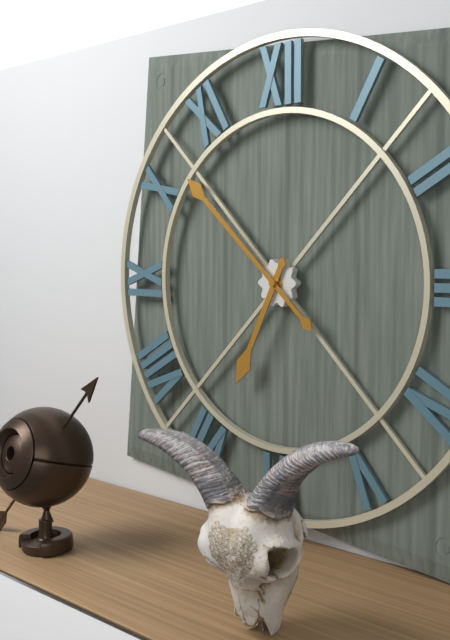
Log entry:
**6:52**
